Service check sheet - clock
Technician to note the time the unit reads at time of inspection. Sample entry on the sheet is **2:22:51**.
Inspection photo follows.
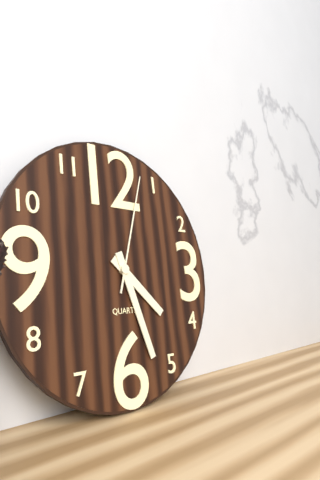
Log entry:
**4:27:03**
